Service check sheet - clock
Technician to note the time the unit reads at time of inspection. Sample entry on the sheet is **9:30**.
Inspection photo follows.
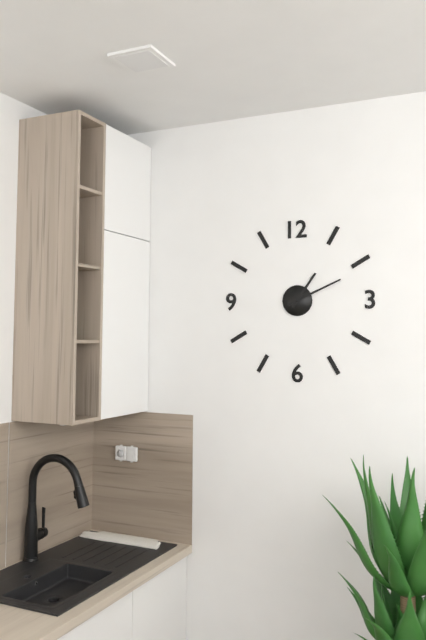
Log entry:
**1:11**
